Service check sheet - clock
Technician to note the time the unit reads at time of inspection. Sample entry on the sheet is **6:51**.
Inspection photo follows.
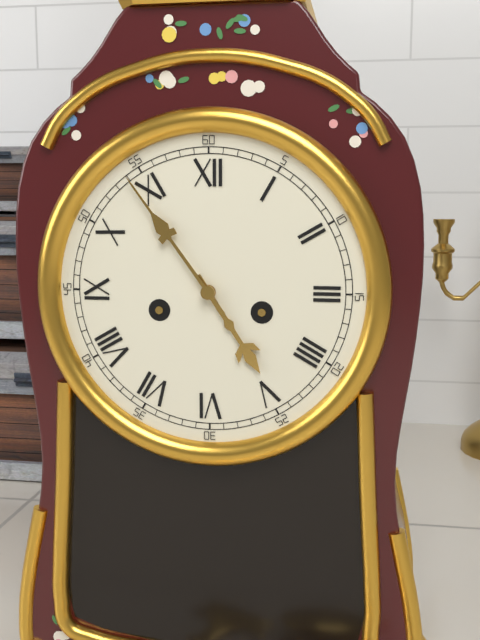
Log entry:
**4:54**
